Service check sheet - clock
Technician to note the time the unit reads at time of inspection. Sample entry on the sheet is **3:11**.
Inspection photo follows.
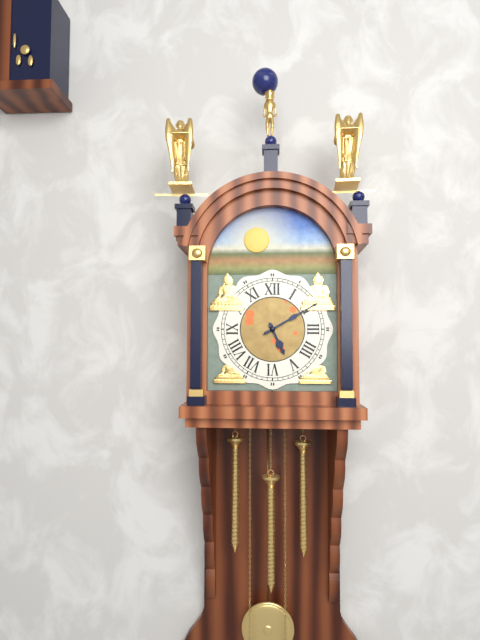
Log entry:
**5:10**
